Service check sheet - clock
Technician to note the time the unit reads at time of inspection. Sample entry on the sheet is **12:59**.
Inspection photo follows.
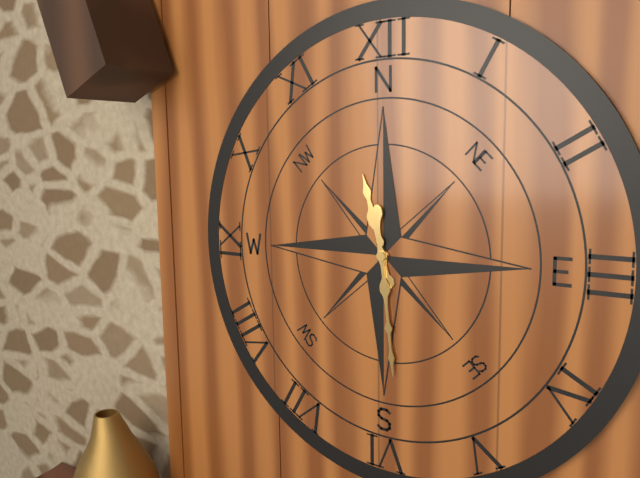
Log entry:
**11:29**
